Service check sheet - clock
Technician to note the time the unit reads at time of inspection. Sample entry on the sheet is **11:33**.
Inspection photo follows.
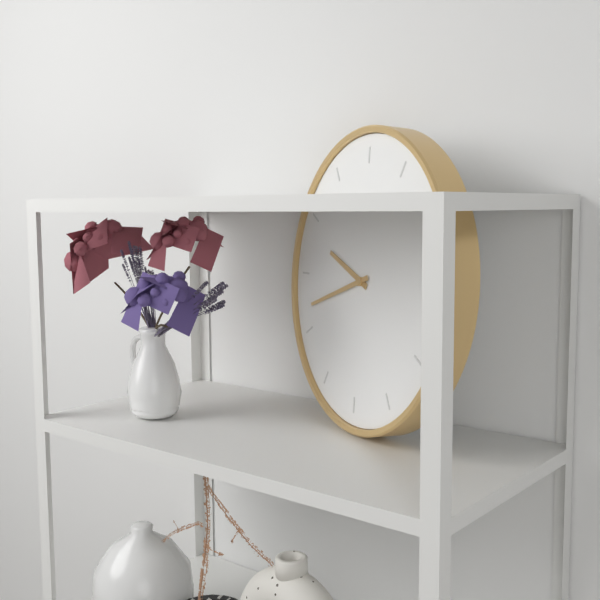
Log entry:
**9:42**
